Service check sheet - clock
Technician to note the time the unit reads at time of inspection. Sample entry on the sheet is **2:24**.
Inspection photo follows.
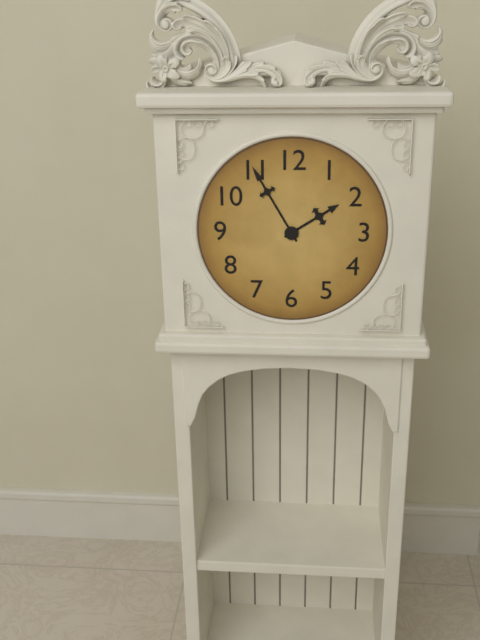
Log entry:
**1:55**
